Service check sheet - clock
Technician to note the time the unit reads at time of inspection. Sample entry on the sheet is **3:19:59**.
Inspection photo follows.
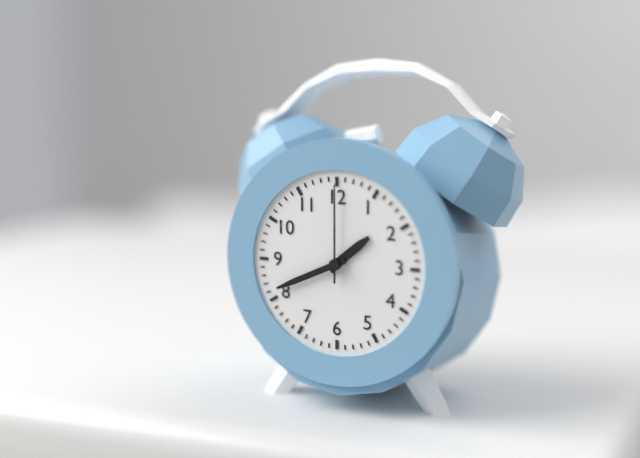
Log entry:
**1:41:00**
